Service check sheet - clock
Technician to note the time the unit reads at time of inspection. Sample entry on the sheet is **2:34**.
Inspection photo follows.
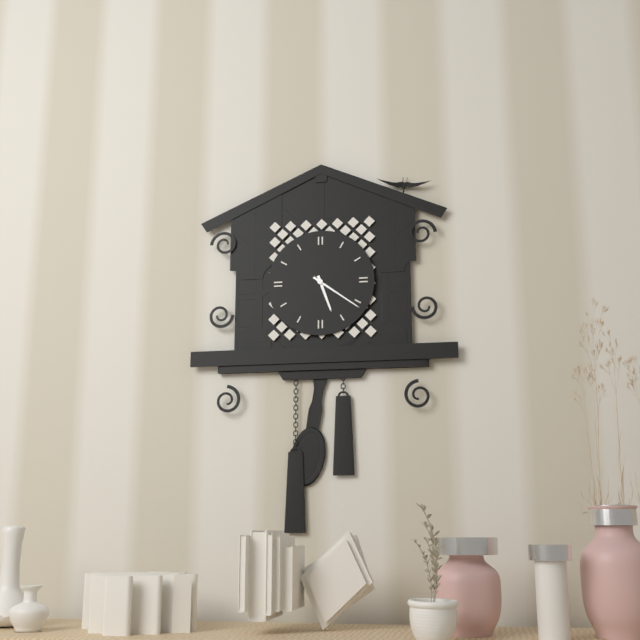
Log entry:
**5:21**
